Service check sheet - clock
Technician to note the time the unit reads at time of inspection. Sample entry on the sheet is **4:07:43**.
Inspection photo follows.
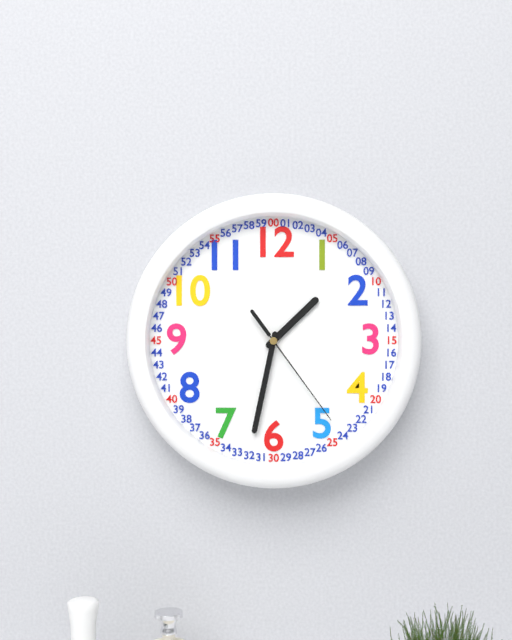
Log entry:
**1:32:24**
